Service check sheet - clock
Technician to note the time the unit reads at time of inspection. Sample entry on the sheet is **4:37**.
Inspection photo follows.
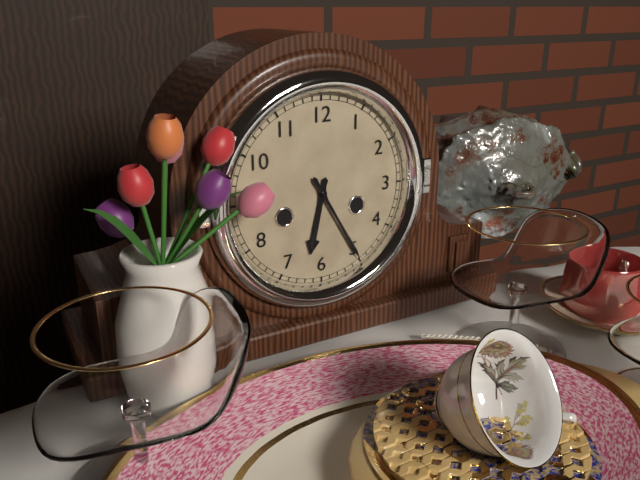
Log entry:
**6:25**
